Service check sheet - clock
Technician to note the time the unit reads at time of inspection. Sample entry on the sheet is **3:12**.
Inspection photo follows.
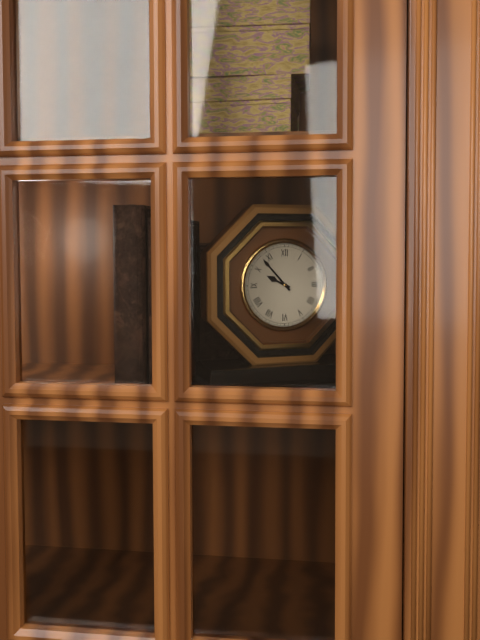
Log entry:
**9:53**
